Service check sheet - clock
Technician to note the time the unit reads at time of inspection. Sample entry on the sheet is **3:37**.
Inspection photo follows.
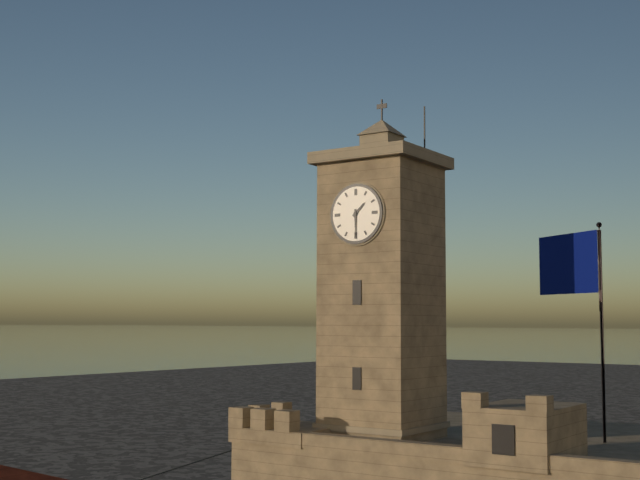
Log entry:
**1:30**
